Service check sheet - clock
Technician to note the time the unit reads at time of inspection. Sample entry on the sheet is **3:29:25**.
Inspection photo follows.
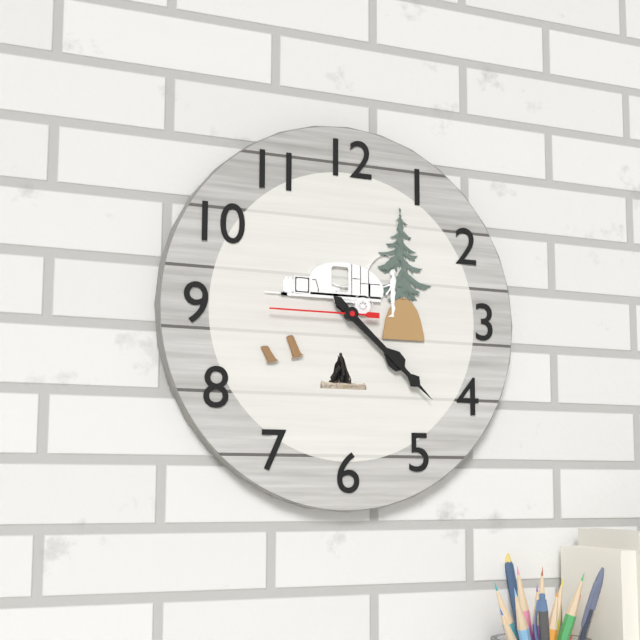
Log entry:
**4:22:45**
